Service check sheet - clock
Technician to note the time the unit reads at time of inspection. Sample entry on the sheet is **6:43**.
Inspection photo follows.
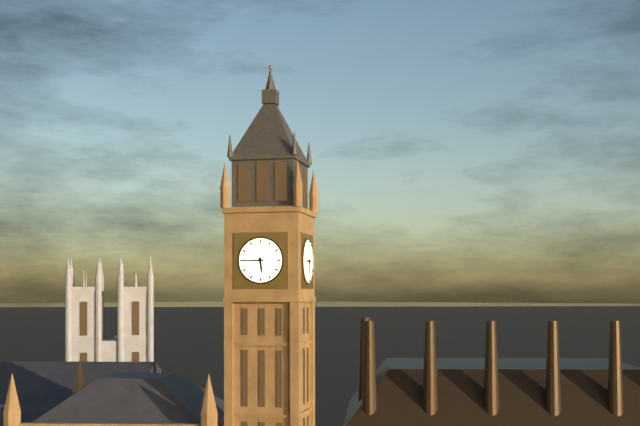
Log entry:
**5:45**
